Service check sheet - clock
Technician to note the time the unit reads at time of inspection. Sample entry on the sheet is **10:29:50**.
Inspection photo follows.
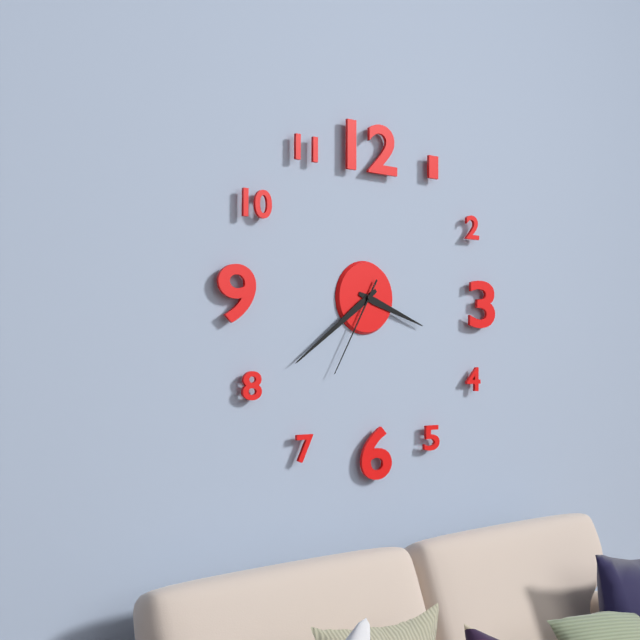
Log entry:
**3:39:35**
